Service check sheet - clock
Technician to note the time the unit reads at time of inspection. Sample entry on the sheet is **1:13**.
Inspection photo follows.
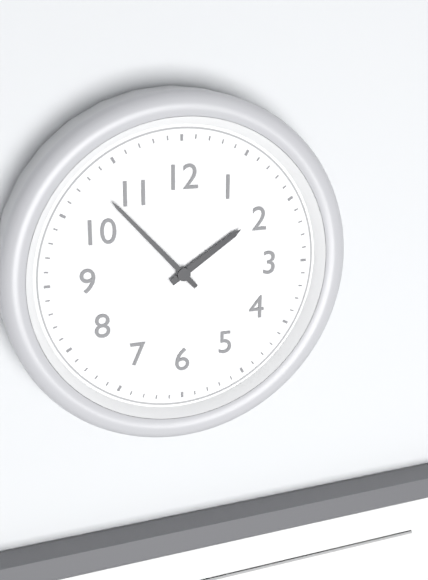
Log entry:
**1:53**
